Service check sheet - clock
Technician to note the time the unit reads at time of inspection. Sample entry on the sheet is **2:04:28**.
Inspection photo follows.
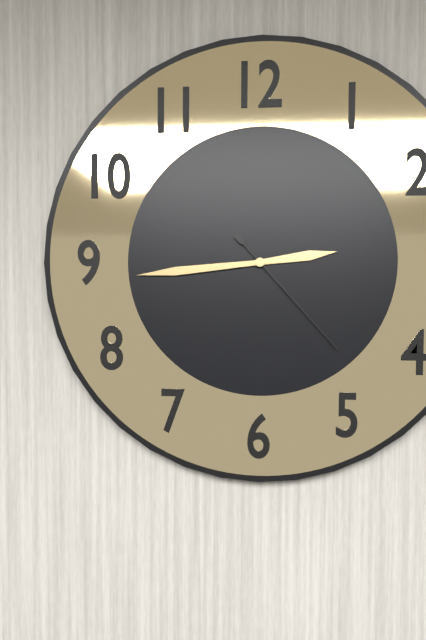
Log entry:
**2:44:23**
